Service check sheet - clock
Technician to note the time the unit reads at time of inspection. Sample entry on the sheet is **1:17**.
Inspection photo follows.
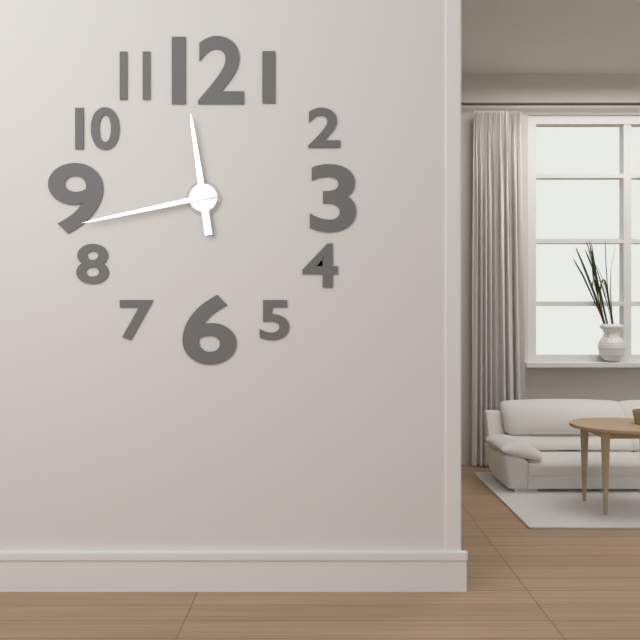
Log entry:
**11:43**
